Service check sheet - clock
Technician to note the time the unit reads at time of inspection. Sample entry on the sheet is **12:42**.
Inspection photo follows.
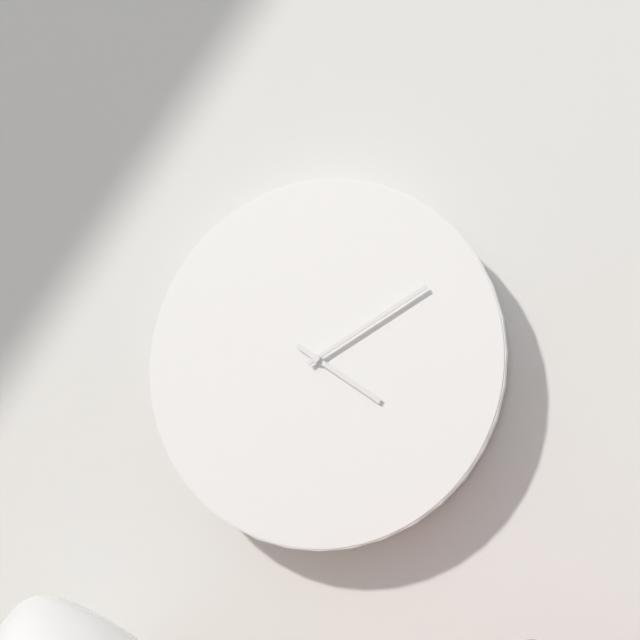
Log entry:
**4:10**
